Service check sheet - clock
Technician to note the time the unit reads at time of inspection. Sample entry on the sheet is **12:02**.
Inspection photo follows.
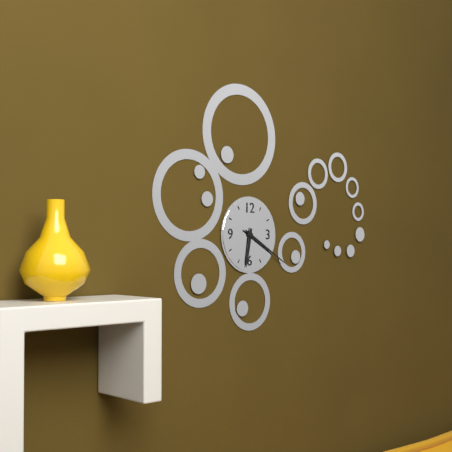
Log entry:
**6:20**
